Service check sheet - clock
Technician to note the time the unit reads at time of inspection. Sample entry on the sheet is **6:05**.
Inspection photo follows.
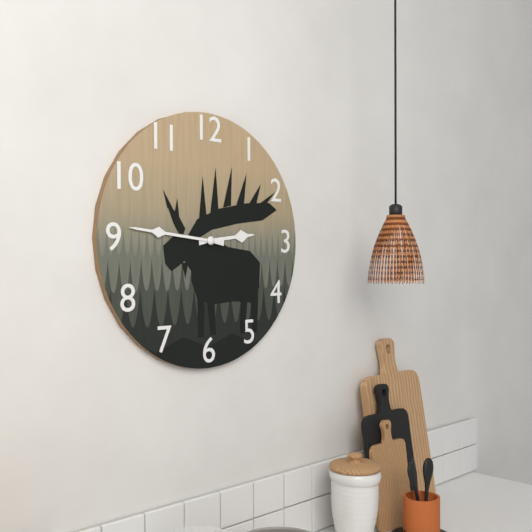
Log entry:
**2:46**
